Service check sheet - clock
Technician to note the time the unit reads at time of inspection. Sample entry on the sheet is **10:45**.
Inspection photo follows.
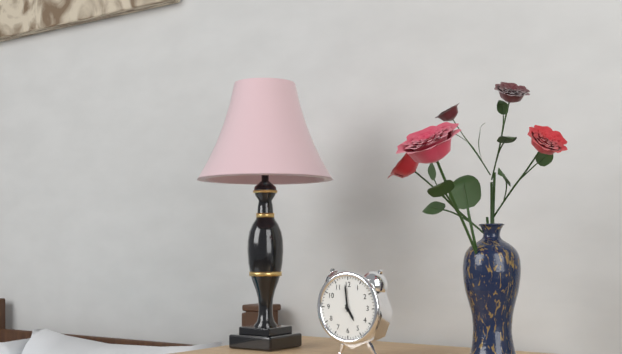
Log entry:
**4:59**
